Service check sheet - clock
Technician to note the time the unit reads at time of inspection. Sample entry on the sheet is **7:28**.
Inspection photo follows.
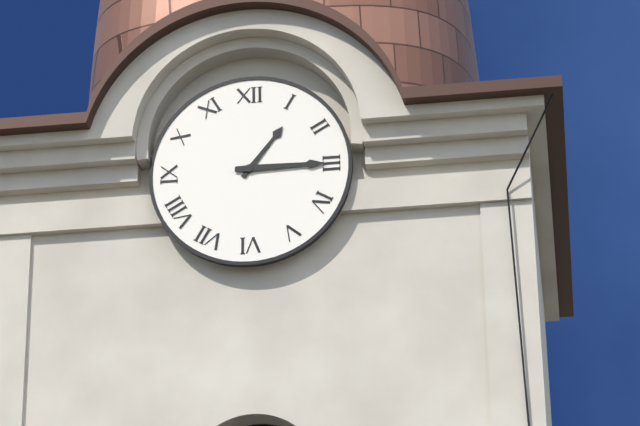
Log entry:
**1:15**
